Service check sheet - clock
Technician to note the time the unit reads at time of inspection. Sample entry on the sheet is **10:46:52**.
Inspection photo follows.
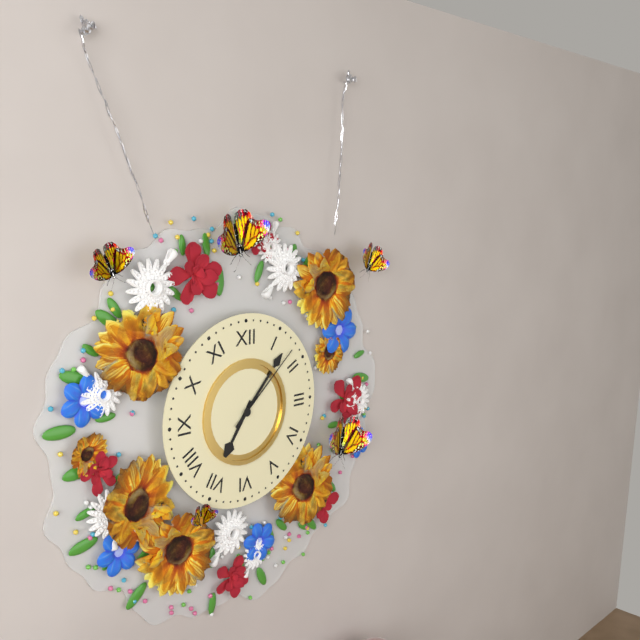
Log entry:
**7:07:08**
